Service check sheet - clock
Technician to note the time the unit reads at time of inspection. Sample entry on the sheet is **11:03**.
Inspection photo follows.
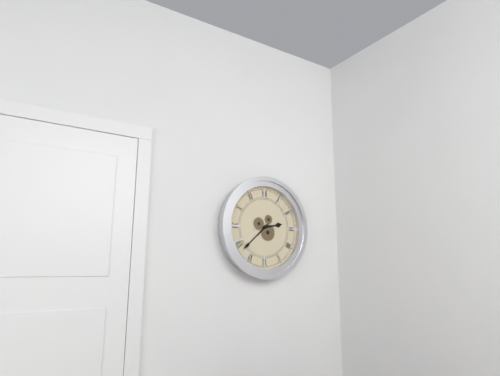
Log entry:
**2:38**
